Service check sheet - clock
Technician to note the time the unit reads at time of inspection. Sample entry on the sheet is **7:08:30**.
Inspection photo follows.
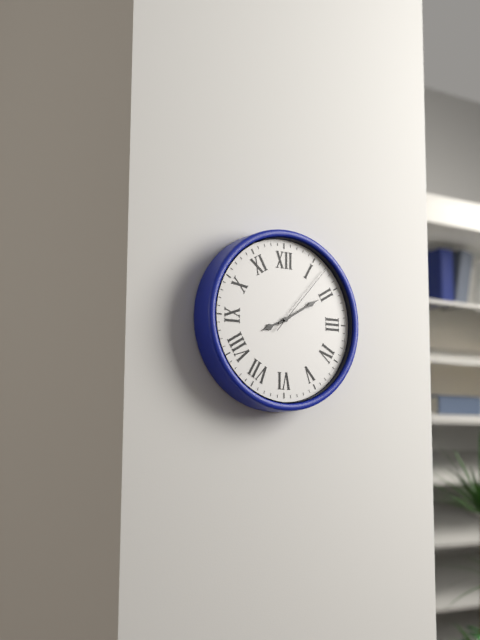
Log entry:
**8:10:07**
